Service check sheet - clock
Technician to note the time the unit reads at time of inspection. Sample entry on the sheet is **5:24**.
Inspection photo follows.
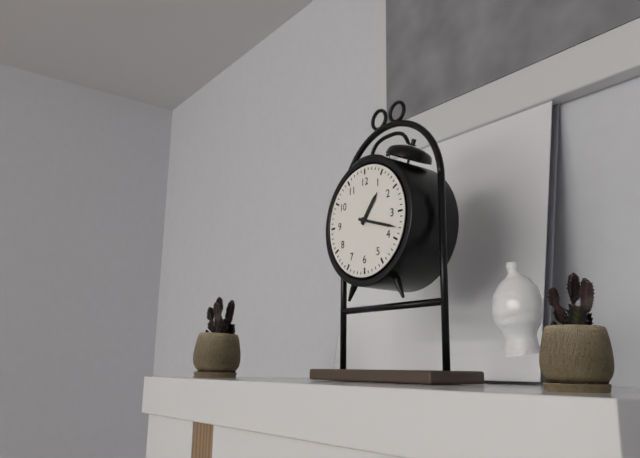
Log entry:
**1:18**
